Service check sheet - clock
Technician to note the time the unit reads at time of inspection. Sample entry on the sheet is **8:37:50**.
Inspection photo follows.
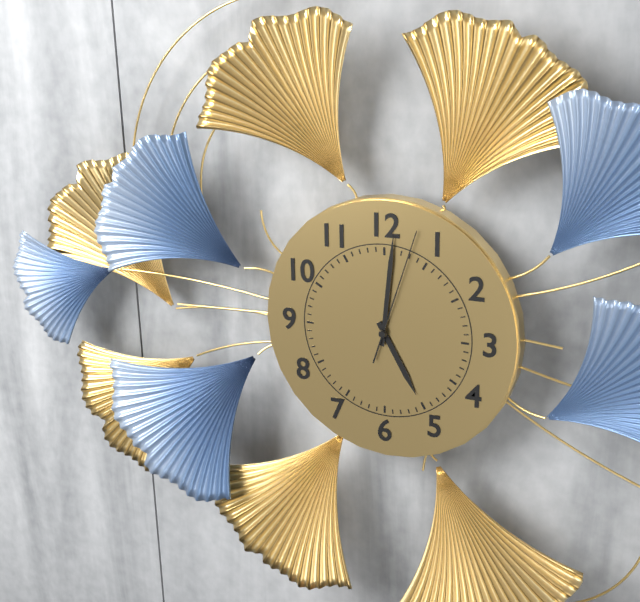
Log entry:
**5:01:03**
